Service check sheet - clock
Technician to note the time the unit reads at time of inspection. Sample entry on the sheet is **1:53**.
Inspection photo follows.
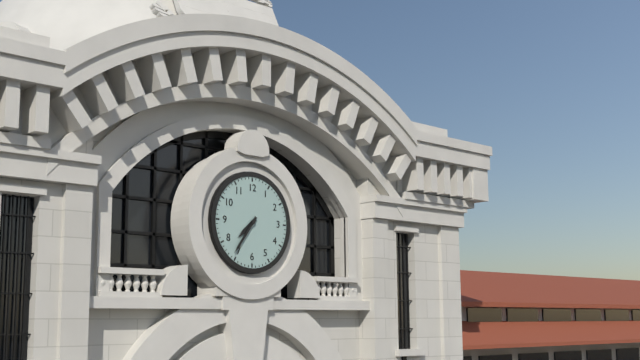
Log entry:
**7:36**
